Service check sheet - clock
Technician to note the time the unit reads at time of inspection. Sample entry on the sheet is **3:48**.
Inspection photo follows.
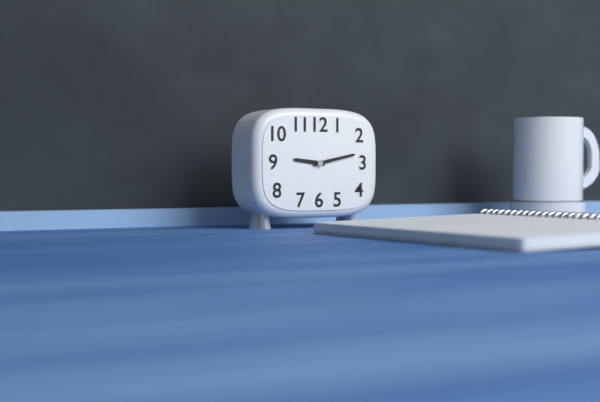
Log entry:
**9:13**
